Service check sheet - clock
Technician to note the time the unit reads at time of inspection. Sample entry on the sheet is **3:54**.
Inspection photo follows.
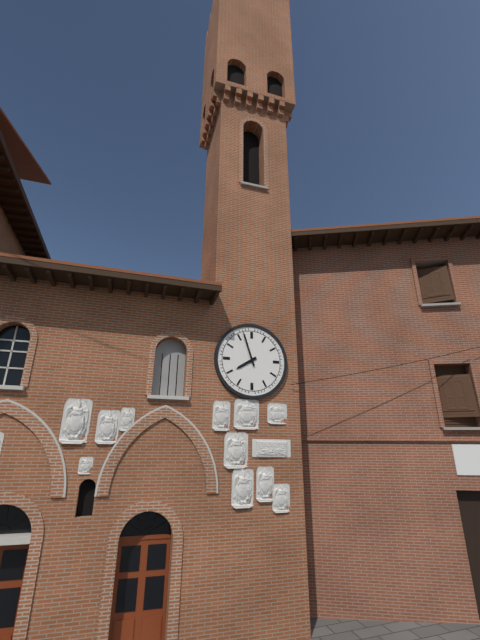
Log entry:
**7:57**
